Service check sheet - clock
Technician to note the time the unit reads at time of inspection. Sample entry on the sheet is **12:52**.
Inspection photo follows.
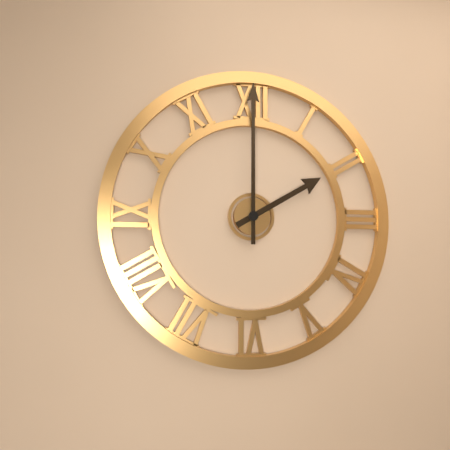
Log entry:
**2:00**
